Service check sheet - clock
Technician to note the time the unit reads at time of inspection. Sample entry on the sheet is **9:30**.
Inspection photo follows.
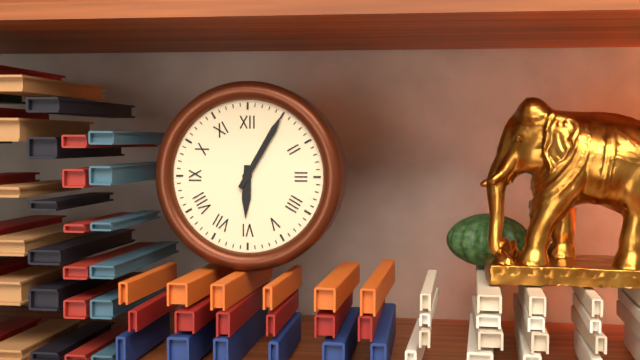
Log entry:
**6:05**
